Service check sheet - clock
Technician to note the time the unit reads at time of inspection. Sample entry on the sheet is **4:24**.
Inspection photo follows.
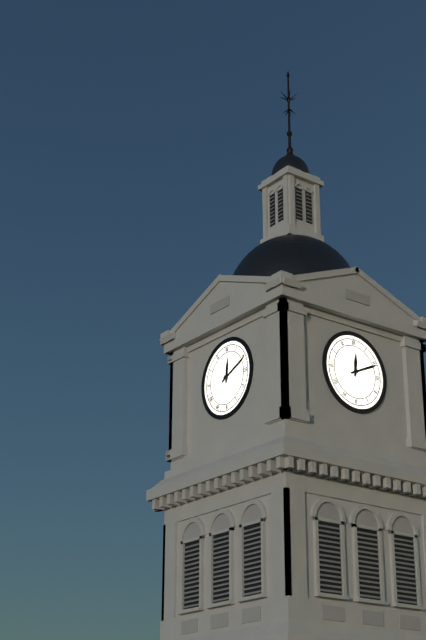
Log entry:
**12:11**
